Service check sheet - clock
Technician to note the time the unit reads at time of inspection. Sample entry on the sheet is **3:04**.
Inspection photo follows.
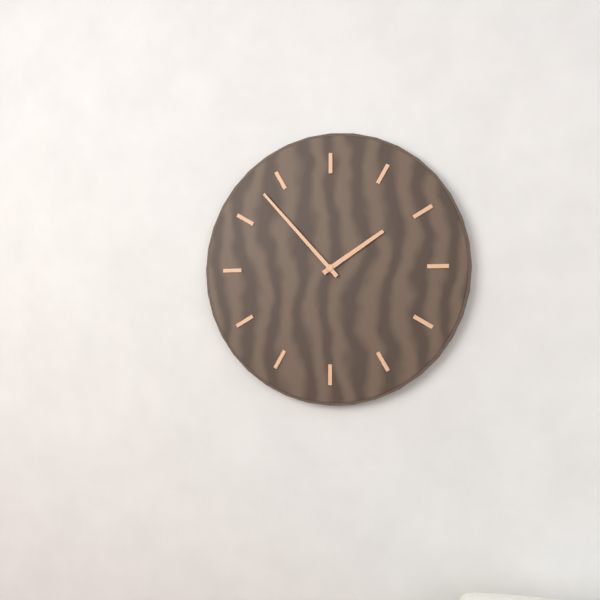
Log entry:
**1:53**
